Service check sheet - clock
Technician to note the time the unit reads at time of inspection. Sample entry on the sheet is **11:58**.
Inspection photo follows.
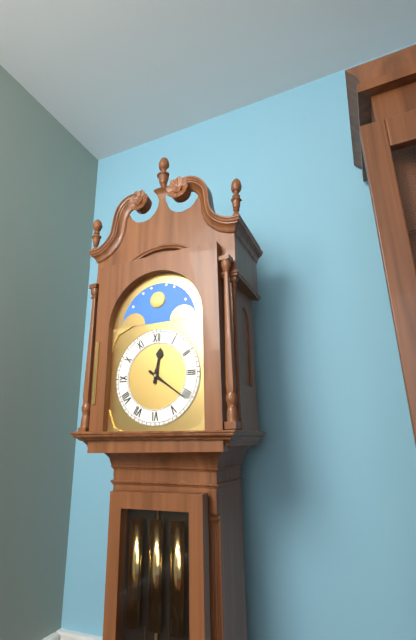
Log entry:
**12:21**
